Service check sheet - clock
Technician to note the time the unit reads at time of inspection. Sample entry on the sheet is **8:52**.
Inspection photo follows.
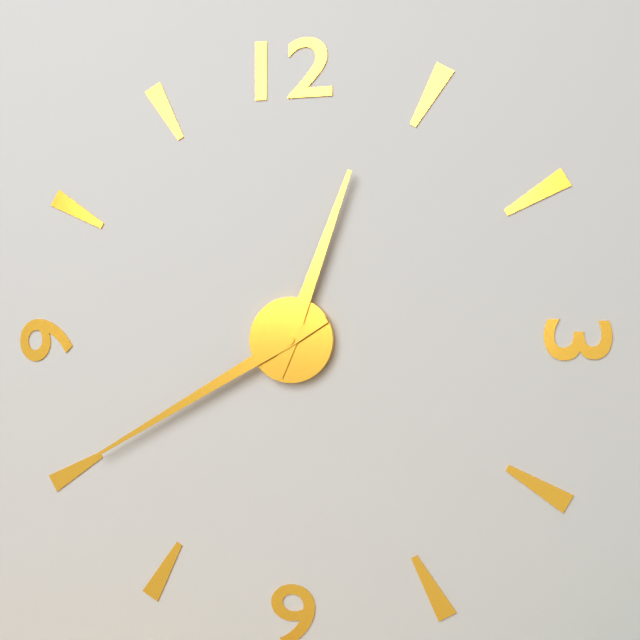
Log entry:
**12:40**
